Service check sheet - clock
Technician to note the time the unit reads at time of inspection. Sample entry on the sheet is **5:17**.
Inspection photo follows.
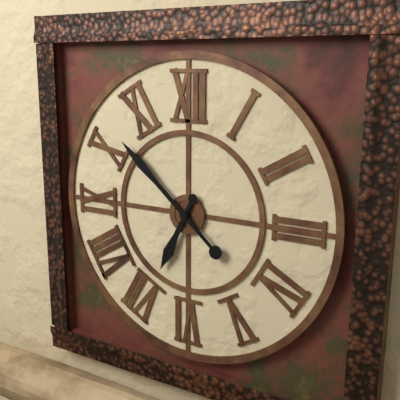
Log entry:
**6:52**
